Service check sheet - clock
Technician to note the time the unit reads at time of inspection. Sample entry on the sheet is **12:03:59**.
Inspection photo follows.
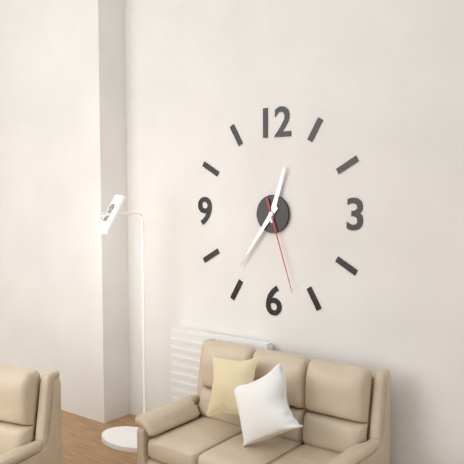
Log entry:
**12:36:27**
